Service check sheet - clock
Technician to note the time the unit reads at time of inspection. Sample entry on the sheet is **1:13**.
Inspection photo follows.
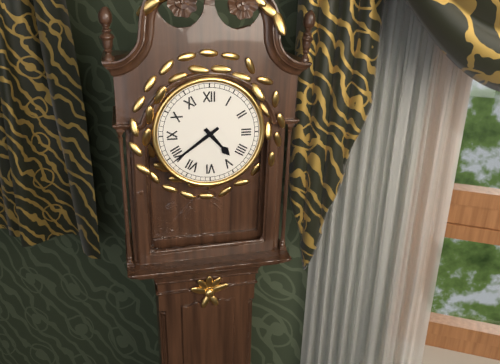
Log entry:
**4:39**
